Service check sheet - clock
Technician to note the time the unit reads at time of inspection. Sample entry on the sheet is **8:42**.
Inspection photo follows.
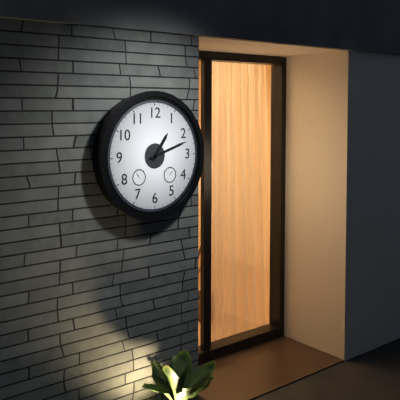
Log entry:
**1:12**
